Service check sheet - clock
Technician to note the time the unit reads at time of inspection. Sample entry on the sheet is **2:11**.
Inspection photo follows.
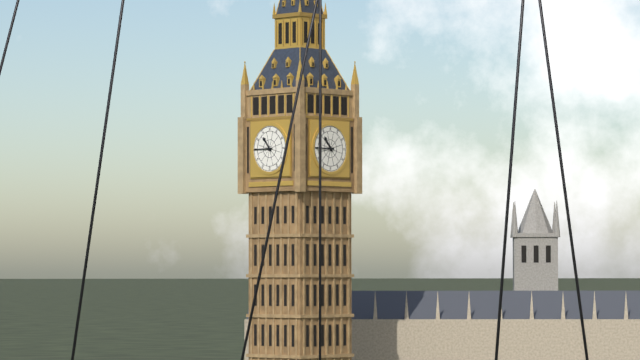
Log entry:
**10:45**
